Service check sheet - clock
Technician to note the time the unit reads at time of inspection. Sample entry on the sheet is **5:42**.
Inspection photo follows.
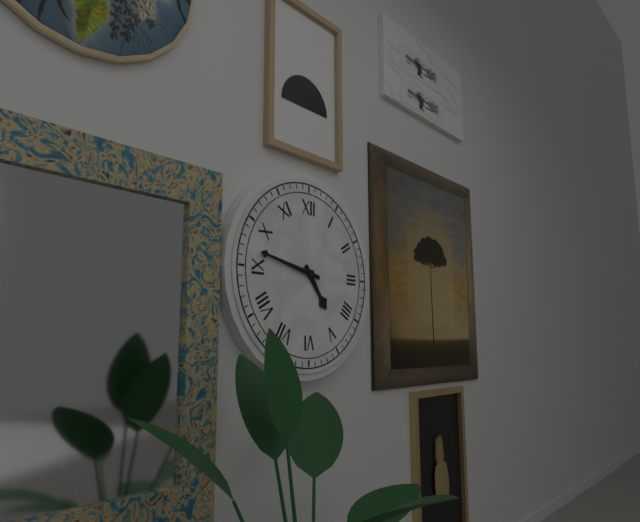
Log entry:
**4:47**
